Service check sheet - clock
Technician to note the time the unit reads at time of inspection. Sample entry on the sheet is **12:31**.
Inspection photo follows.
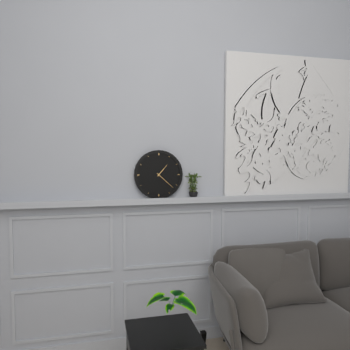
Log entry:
**1:22**
